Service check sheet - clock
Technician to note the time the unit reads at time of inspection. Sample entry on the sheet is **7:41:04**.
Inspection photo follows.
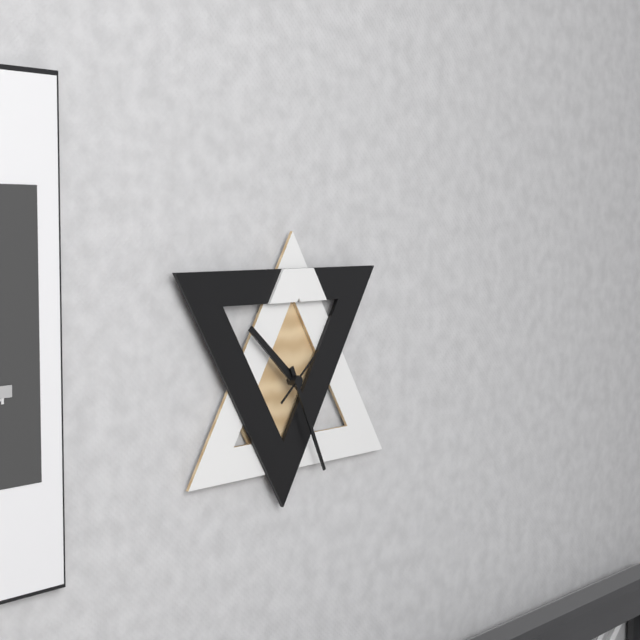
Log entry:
**10:26:08**
